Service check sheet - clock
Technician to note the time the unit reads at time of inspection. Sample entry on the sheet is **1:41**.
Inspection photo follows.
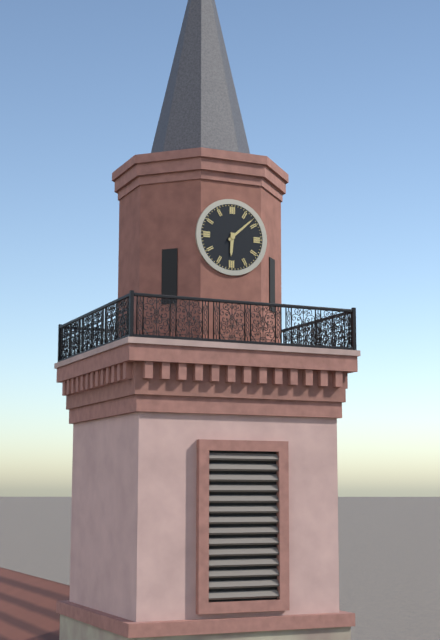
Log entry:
**6:08**
